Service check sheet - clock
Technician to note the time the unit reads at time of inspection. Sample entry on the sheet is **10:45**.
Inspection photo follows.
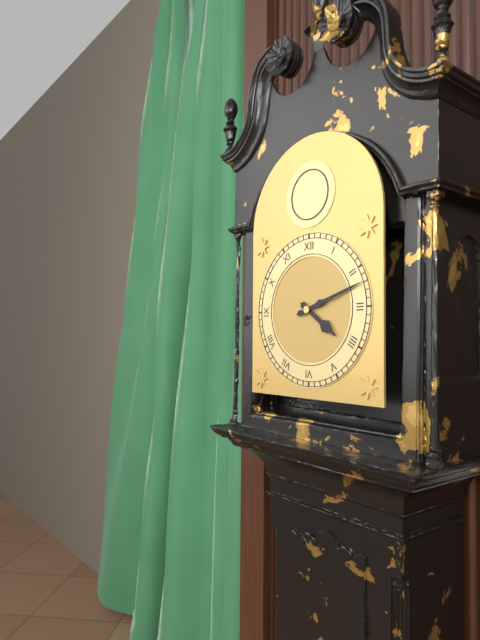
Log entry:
**4:12**
